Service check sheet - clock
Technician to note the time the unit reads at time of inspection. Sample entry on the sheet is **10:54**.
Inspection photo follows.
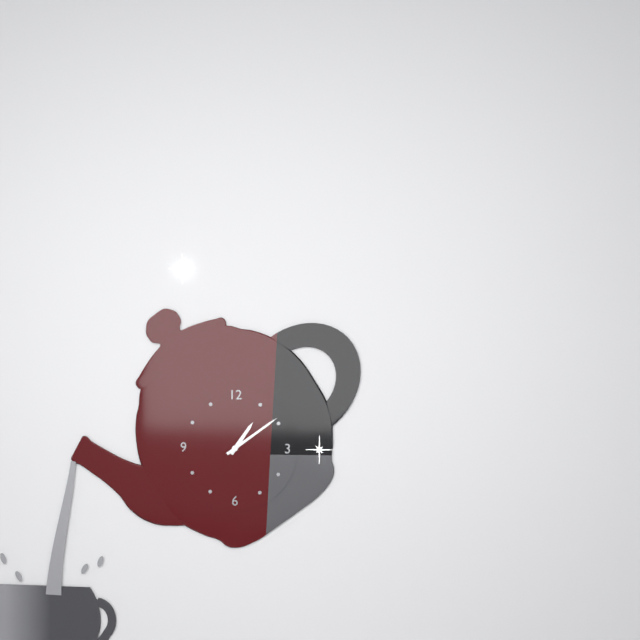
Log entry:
**1:09**
